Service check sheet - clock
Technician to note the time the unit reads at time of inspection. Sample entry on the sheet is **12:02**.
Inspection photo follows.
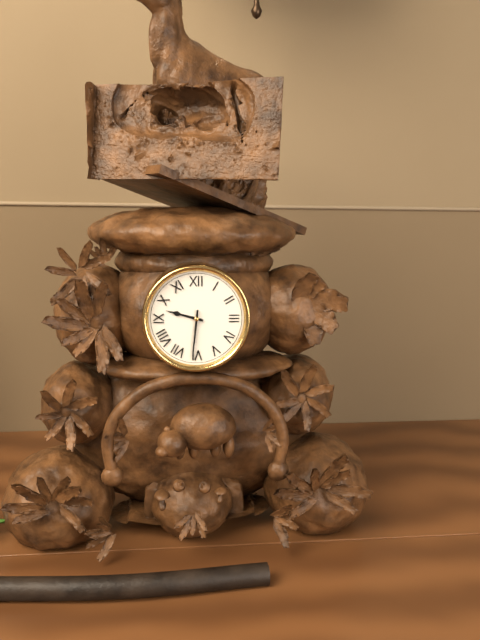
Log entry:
**9:31**
